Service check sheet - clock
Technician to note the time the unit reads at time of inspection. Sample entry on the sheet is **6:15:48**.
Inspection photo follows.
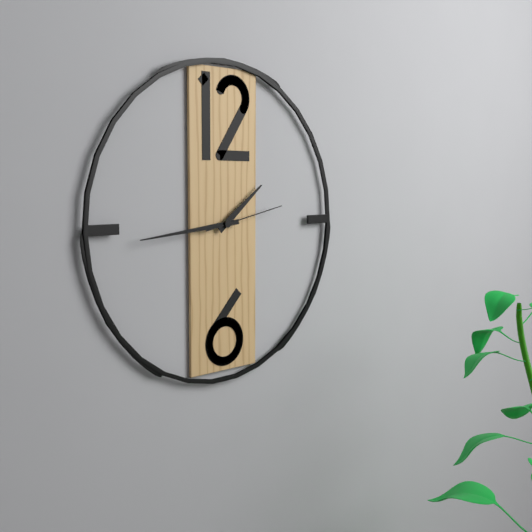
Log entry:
**1:44:13**
